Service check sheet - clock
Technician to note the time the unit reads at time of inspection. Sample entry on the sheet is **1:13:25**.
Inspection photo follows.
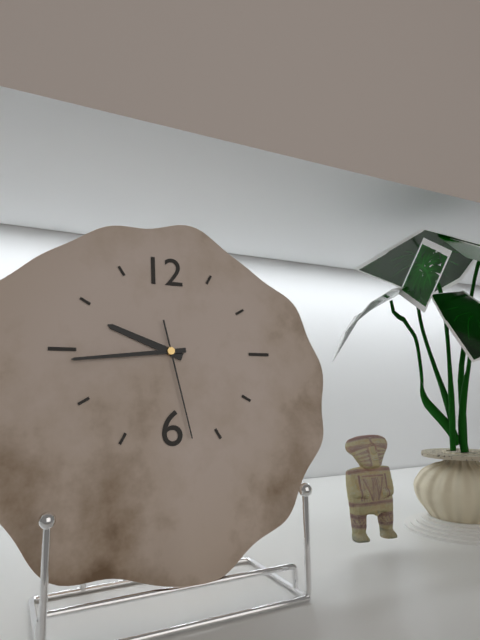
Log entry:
**9:44:28**
